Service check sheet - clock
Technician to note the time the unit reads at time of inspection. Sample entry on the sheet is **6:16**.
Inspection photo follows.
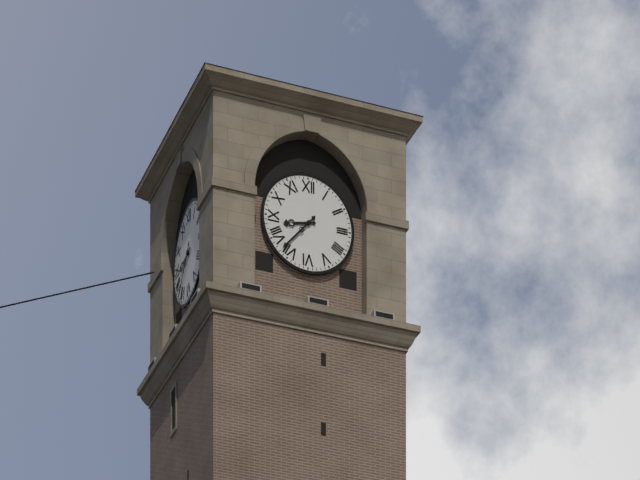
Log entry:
**8:37**
